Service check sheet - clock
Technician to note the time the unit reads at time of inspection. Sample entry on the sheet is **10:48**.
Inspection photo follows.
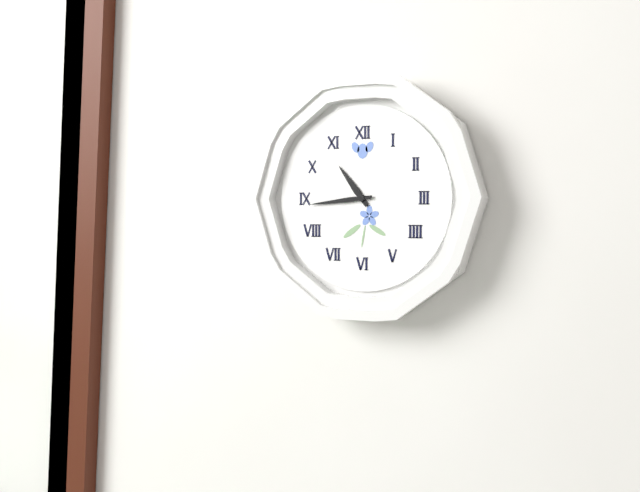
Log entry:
**10:44**
